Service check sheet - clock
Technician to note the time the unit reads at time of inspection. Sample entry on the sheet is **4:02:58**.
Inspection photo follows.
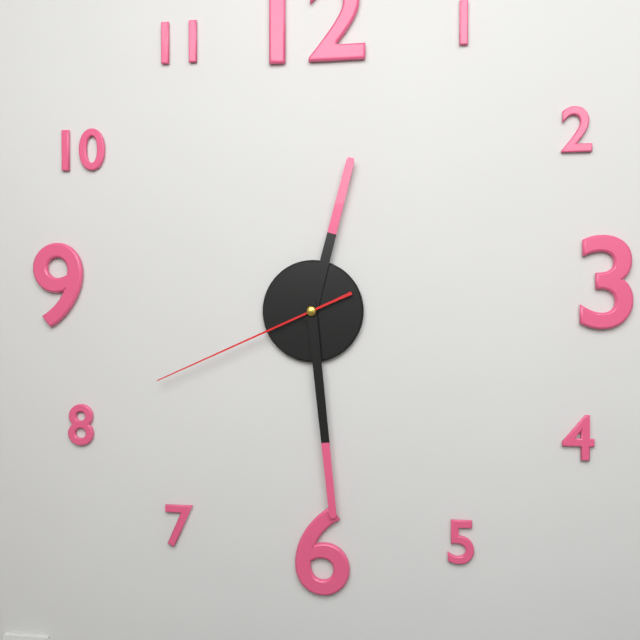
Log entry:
**12:29:41**
